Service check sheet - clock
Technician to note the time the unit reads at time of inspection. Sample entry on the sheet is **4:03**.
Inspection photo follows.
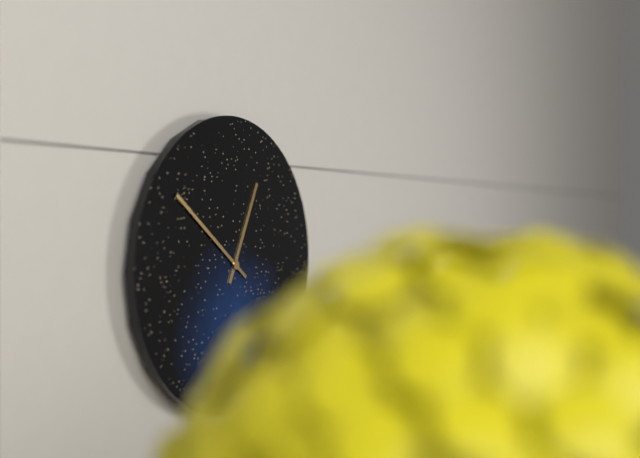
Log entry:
**12:51**
